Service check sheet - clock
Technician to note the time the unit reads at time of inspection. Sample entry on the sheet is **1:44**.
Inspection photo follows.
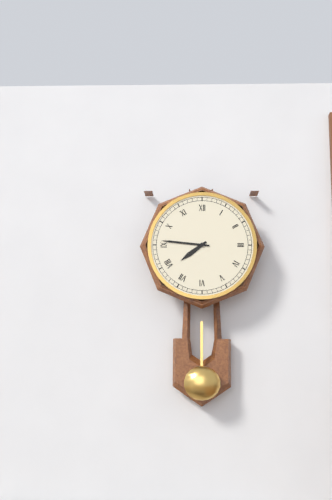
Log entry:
**7:46**
